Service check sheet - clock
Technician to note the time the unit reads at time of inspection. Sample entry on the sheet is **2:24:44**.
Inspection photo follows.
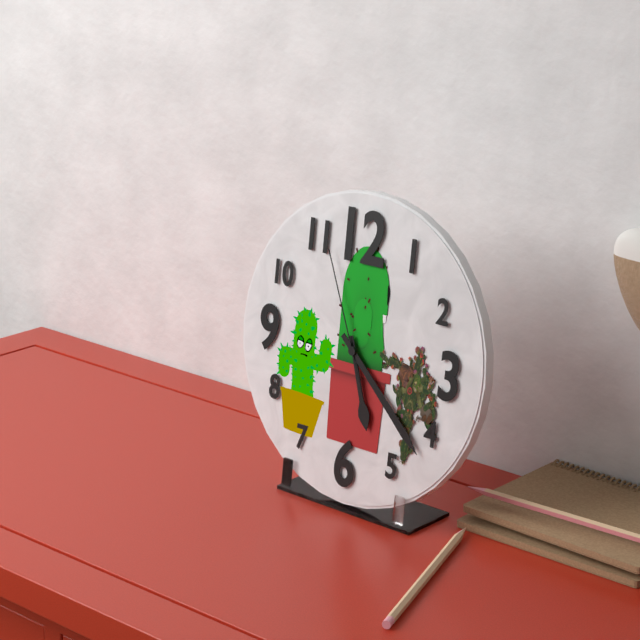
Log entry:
**5:22:56**
